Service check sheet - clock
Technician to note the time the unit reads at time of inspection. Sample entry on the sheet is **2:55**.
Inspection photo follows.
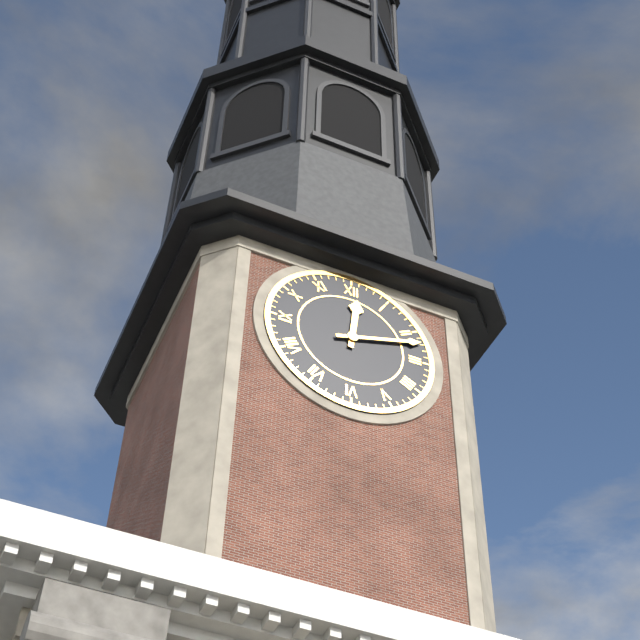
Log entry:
**12:12**
